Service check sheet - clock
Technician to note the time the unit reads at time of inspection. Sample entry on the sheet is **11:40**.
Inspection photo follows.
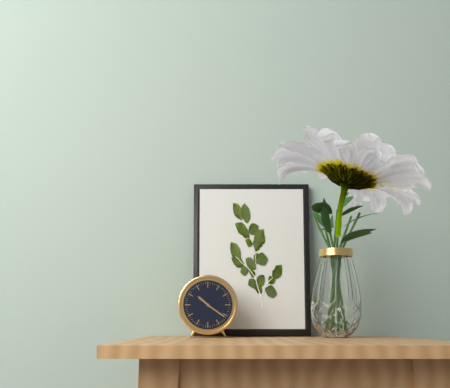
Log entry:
**10:21**
